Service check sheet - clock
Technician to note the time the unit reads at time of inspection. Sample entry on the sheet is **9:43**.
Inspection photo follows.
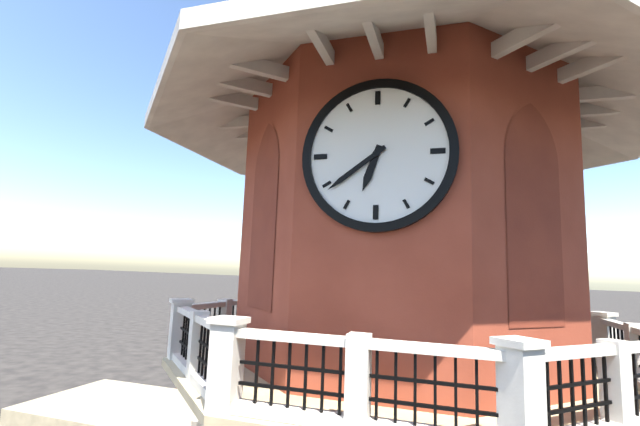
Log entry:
**6:39**
